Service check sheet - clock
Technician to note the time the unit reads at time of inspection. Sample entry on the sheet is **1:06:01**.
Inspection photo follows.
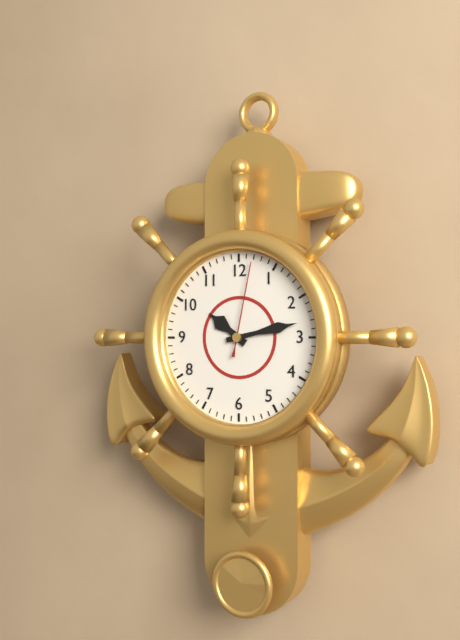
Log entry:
**10:13:02**
